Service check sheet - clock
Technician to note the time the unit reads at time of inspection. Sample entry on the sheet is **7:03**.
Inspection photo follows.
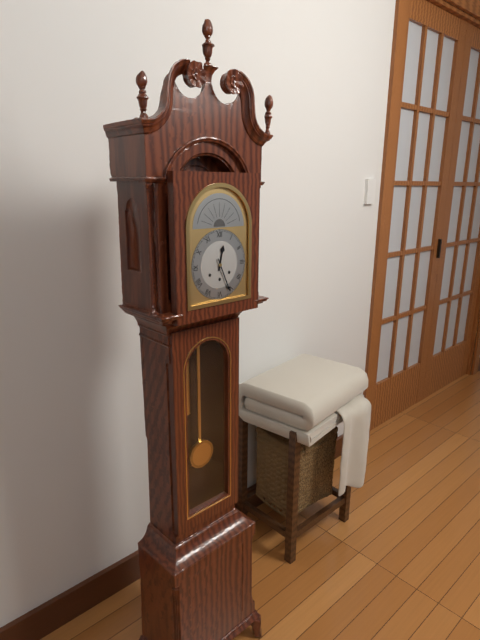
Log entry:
**12:26**
